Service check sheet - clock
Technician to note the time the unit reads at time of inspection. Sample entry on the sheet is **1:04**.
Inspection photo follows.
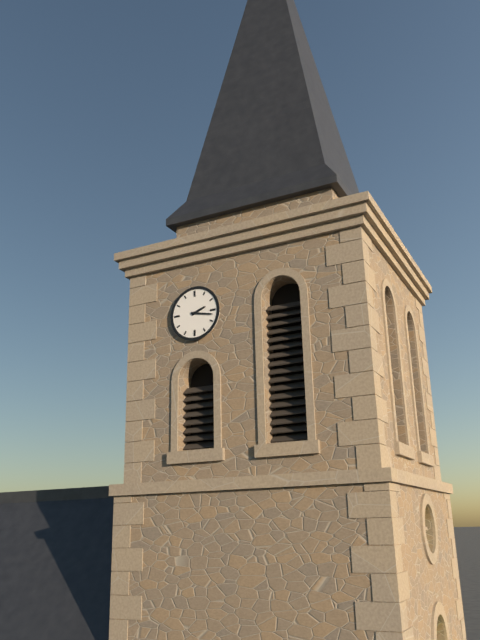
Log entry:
**2:17**
